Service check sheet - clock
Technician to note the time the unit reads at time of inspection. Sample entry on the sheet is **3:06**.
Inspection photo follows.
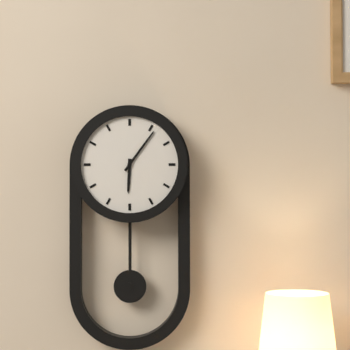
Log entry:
**6:06**
